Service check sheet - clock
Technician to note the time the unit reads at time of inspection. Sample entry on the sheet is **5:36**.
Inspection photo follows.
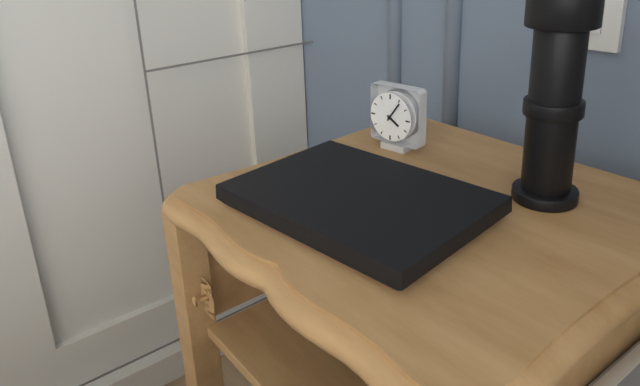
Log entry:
**4:06**
